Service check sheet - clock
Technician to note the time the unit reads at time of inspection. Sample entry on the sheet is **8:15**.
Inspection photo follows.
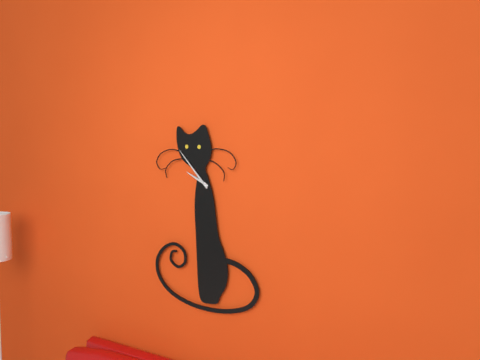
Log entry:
**9:53**
